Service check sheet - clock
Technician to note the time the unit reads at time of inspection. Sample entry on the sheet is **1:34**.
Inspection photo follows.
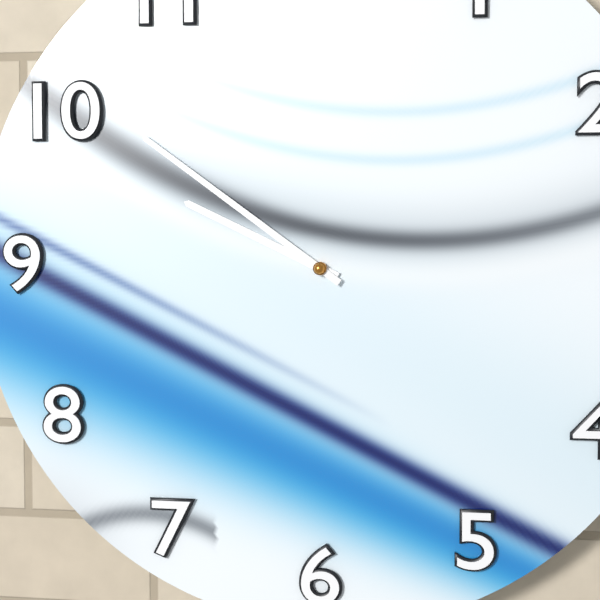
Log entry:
**9:51**
